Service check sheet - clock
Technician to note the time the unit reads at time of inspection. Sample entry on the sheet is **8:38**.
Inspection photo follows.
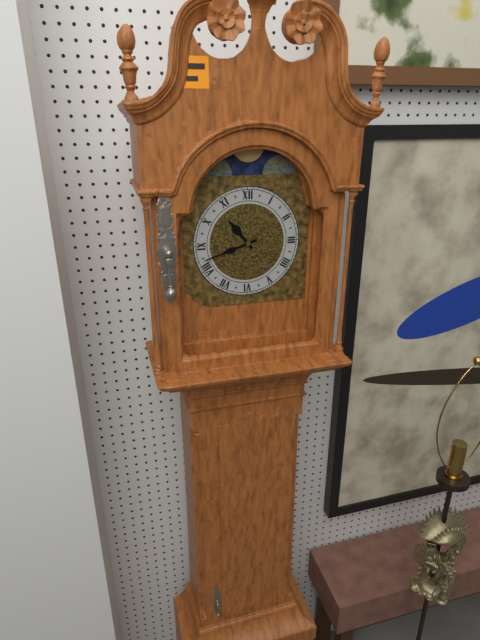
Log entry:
**10:42**
